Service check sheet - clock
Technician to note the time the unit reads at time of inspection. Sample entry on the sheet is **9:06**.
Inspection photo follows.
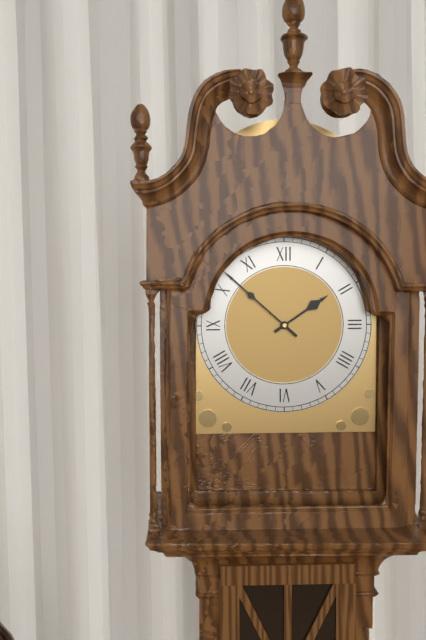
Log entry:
**1:52**
